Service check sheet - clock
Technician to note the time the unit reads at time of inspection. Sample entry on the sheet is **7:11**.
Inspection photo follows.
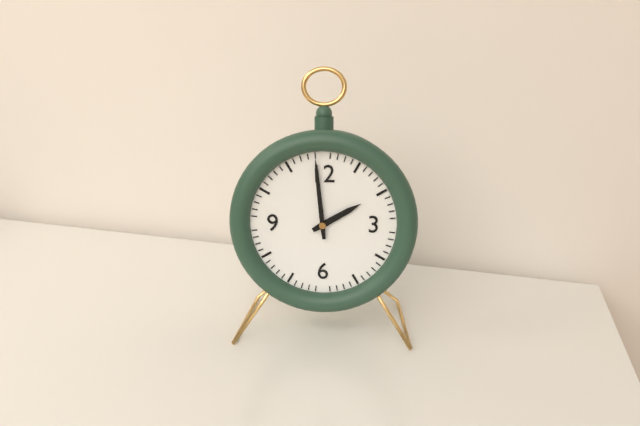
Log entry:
**1:59**
